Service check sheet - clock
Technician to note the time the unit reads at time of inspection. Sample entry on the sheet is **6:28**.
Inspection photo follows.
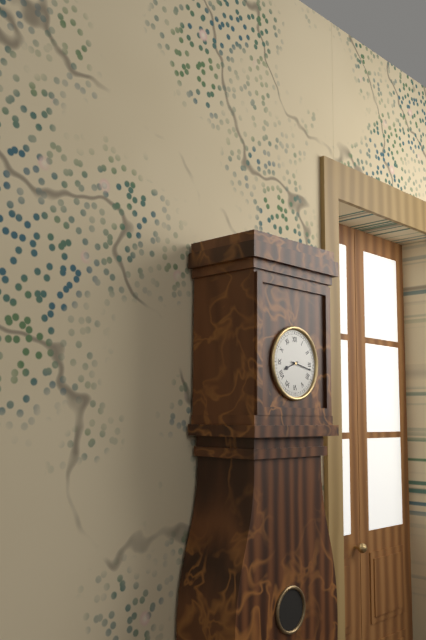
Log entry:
**8:17**
